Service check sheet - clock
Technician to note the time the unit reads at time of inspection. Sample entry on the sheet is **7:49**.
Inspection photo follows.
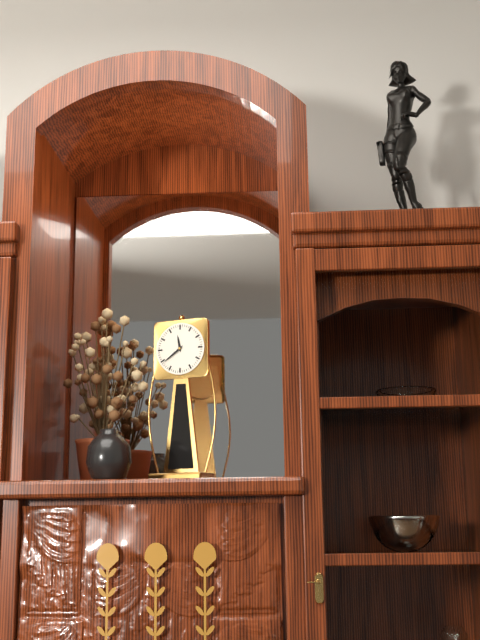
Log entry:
**11:39**
